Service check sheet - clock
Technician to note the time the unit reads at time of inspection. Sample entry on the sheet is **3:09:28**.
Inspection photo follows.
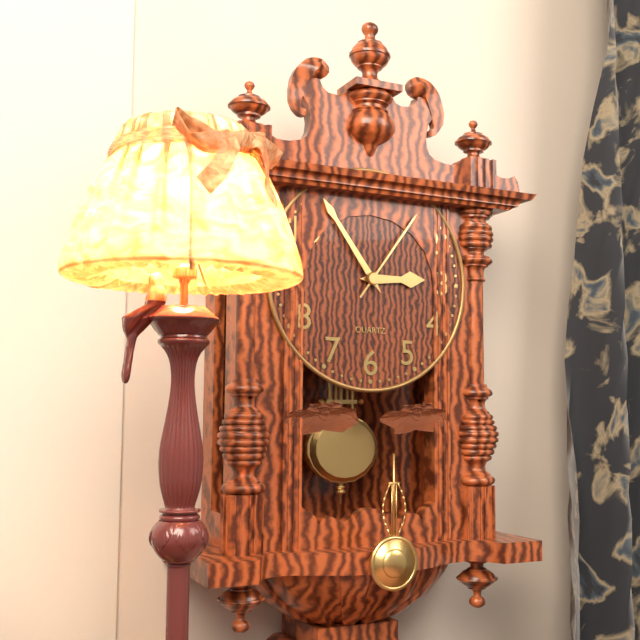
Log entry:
**2:54:06**
